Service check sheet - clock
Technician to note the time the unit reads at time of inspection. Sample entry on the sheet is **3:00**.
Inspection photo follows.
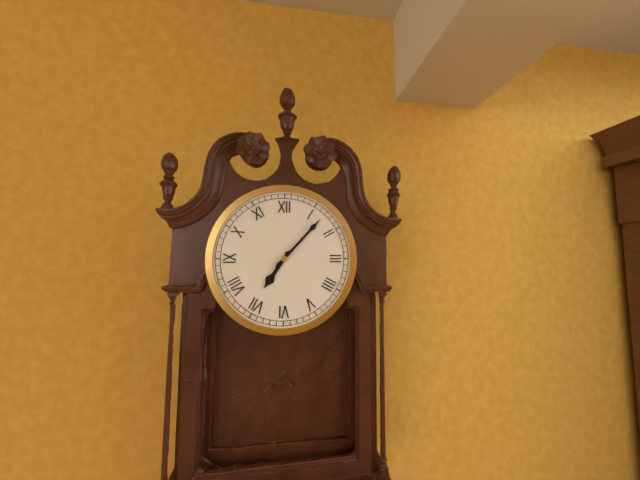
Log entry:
**7:07**
